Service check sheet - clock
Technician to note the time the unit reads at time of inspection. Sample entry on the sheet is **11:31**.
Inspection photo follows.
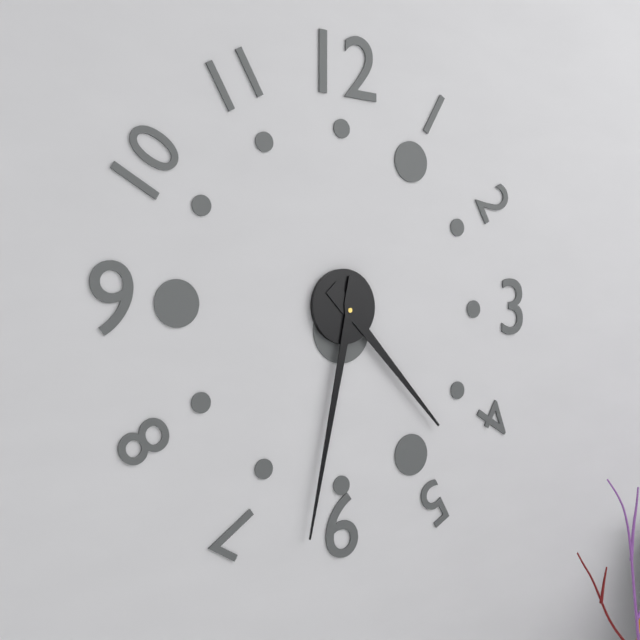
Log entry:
**4:32**
